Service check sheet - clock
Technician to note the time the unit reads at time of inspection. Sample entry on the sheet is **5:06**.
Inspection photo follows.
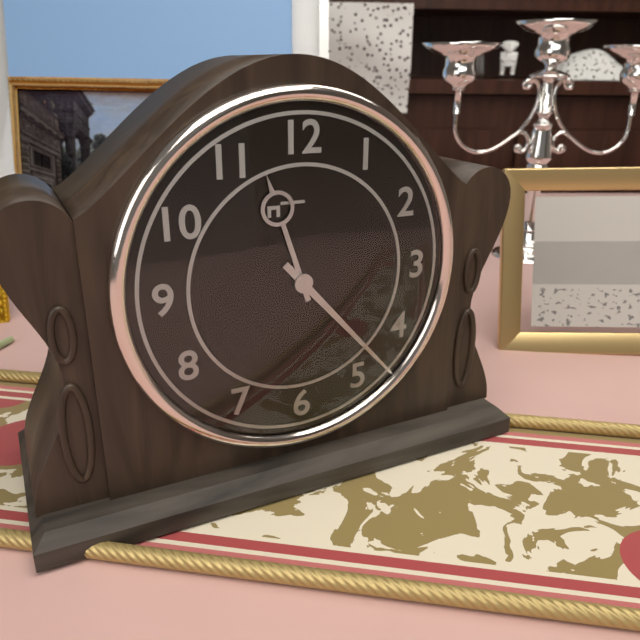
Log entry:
**11:23**
